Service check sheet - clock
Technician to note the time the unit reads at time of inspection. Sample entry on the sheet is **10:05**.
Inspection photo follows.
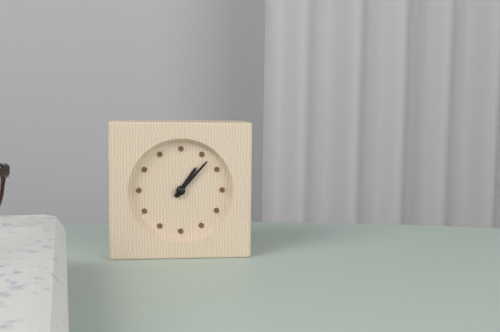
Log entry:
**1:07**
